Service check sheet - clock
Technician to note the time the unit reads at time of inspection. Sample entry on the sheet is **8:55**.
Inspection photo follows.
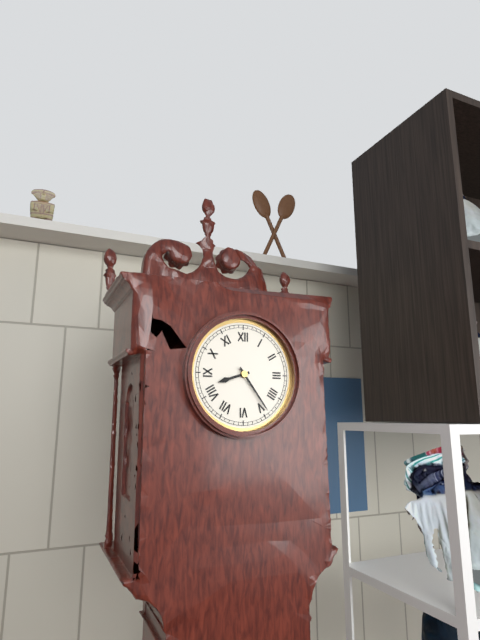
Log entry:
**8:24**
